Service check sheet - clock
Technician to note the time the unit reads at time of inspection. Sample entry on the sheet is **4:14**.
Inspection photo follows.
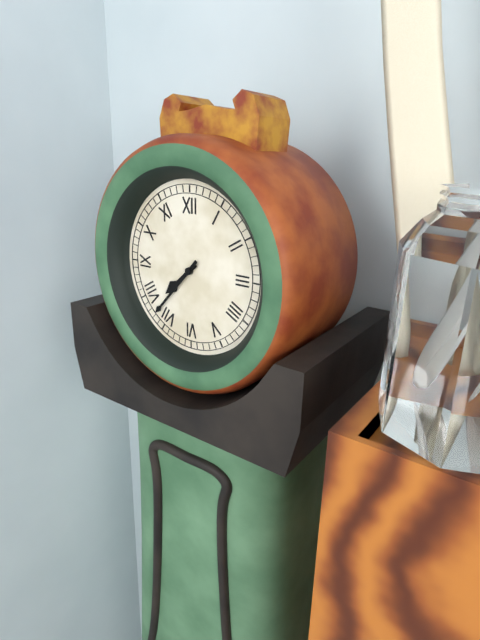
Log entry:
**7:37**
